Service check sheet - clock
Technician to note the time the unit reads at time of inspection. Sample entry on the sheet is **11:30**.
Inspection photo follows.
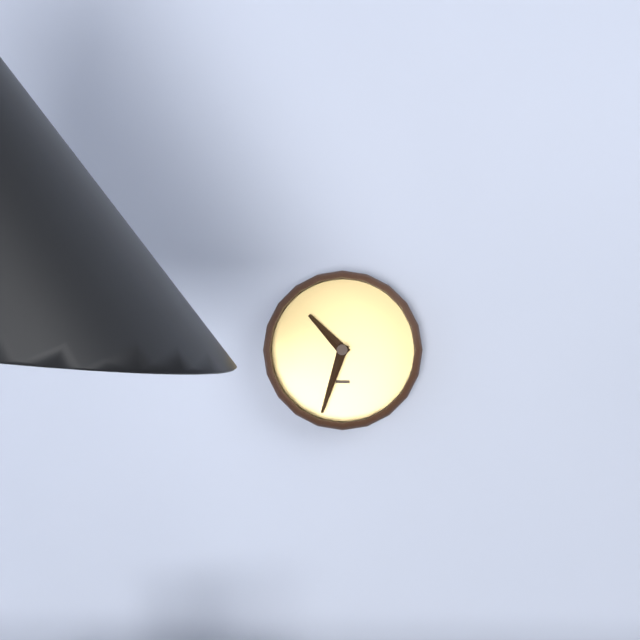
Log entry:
**10:33**
